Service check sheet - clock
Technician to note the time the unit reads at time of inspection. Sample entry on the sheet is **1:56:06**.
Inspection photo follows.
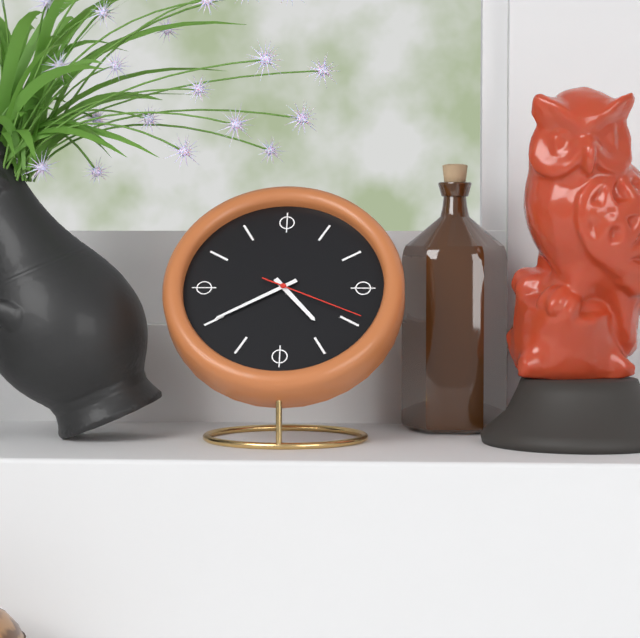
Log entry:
**4:40:19**
